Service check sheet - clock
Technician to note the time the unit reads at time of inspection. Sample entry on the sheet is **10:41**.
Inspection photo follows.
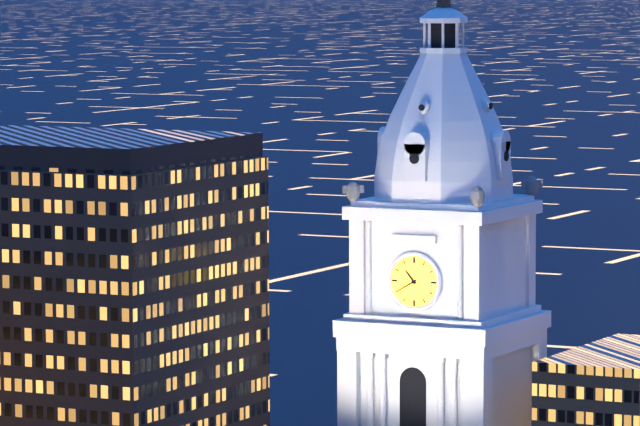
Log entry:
**10:40**
